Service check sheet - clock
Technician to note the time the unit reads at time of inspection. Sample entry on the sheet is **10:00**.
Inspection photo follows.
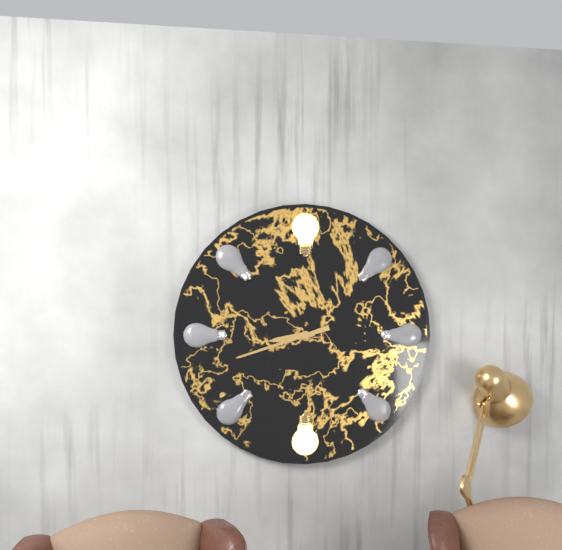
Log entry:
**8:42**
